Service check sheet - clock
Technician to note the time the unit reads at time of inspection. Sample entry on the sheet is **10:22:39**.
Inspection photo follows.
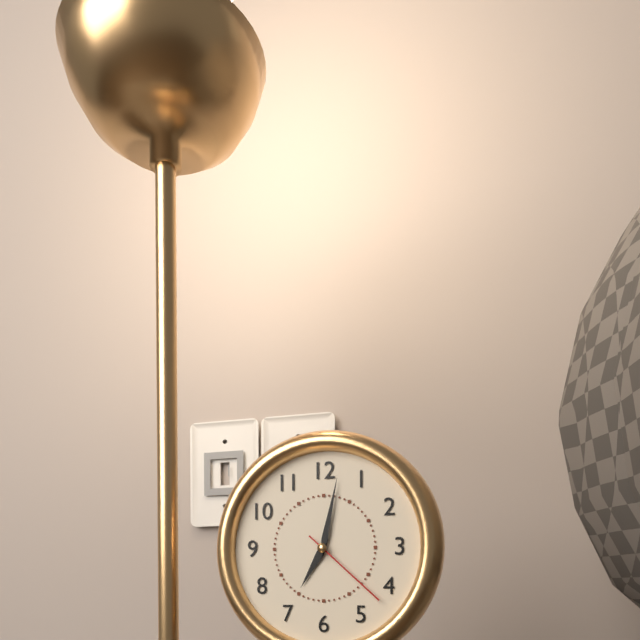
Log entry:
**7:02:22**
